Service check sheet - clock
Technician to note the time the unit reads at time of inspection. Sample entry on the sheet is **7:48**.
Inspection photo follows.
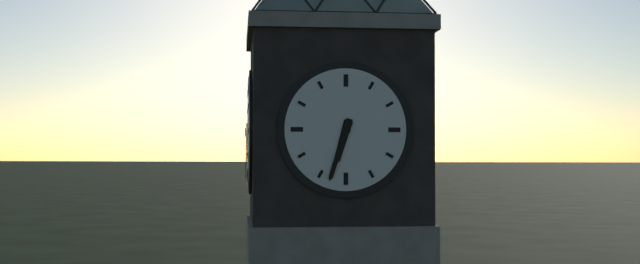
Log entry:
**6:33**
